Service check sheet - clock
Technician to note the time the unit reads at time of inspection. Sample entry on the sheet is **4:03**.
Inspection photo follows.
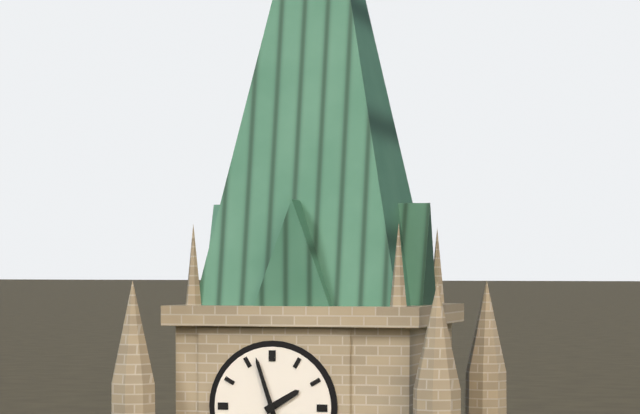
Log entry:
**1:57**
